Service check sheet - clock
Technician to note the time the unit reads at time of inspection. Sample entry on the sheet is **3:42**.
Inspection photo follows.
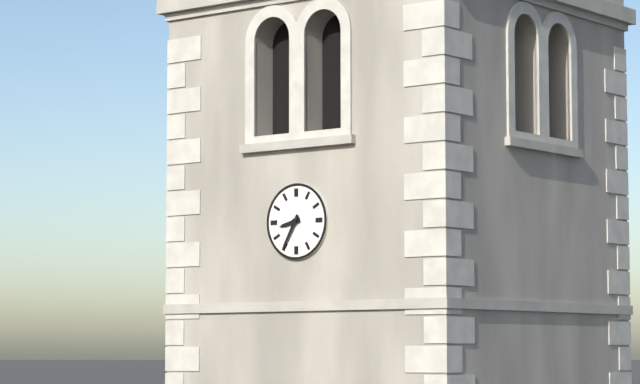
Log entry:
**8:35**
